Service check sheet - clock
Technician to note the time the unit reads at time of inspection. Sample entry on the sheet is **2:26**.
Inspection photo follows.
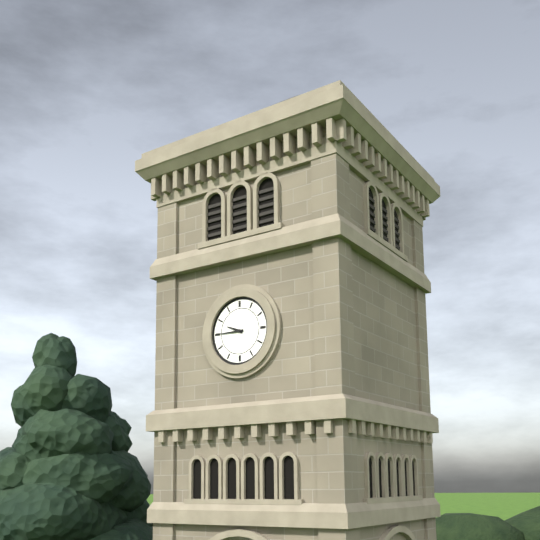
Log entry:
**9:45**
